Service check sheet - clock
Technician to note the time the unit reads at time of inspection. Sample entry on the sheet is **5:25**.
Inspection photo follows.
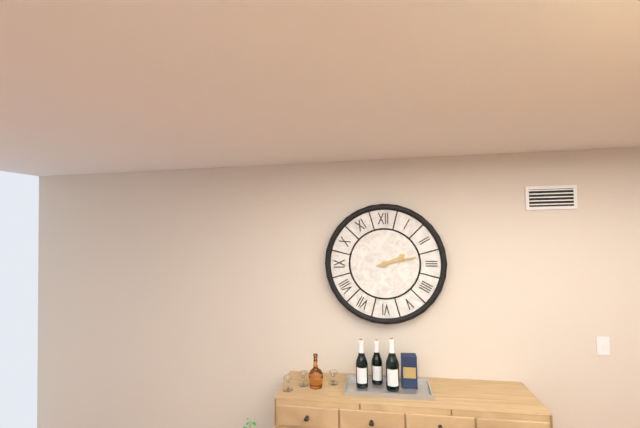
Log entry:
**2:13**
